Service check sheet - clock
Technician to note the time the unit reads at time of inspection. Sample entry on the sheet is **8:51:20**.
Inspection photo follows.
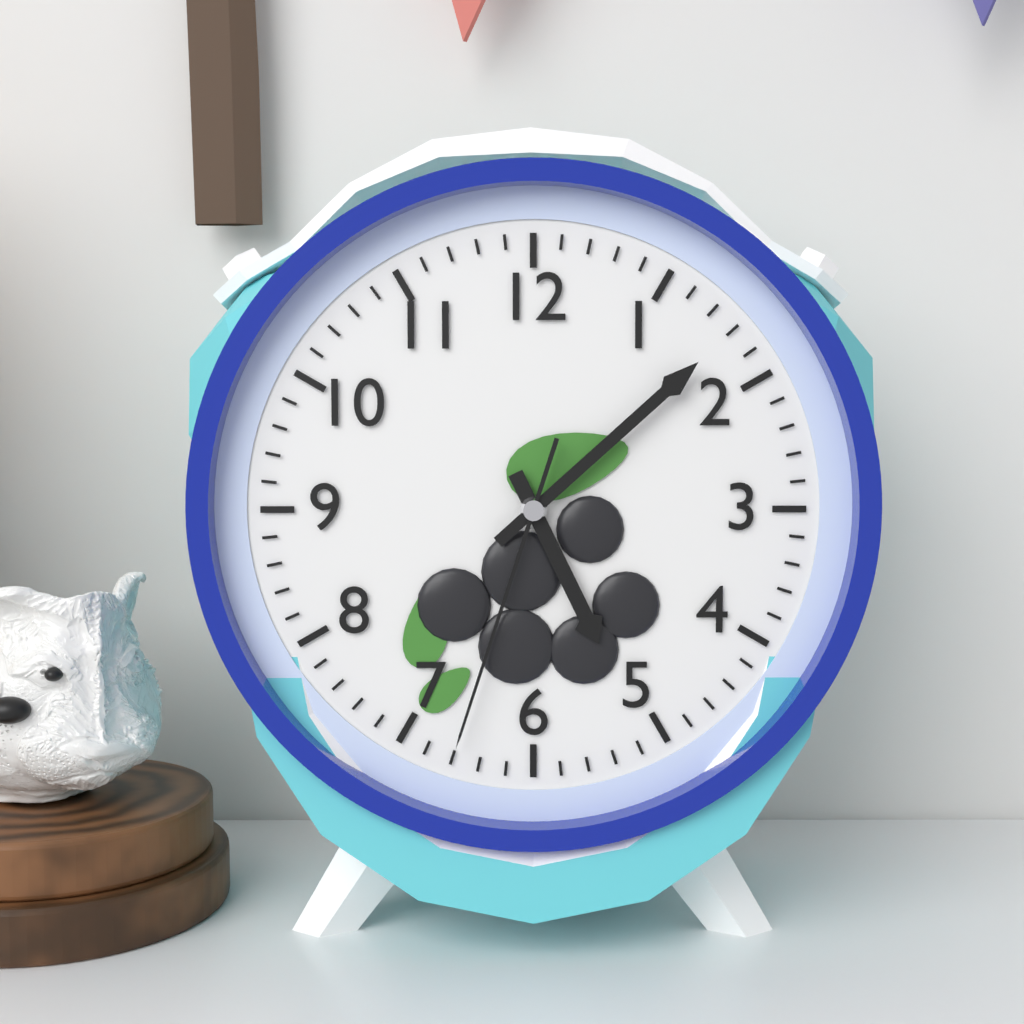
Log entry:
**5:08:33**
